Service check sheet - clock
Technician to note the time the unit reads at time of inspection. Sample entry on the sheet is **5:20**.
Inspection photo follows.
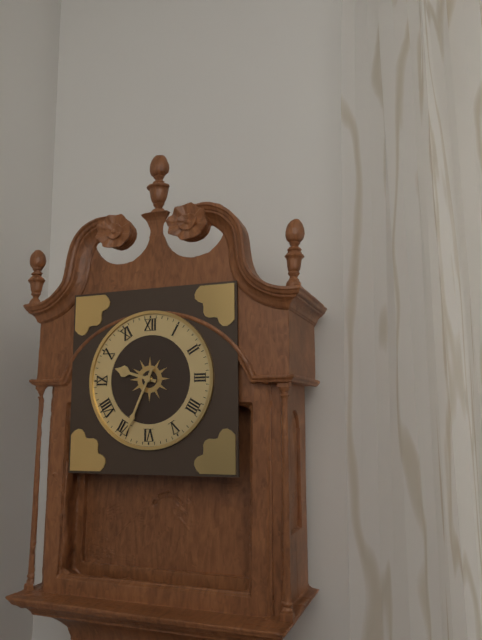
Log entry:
**9:34**
